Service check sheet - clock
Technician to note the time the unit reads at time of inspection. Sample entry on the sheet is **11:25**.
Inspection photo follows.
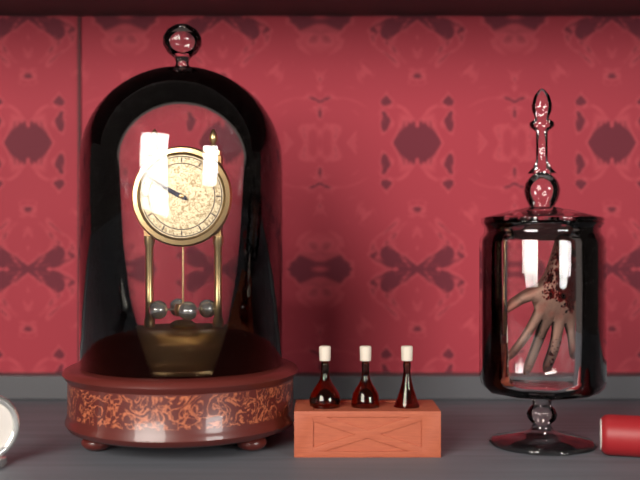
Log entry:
**9:50**
